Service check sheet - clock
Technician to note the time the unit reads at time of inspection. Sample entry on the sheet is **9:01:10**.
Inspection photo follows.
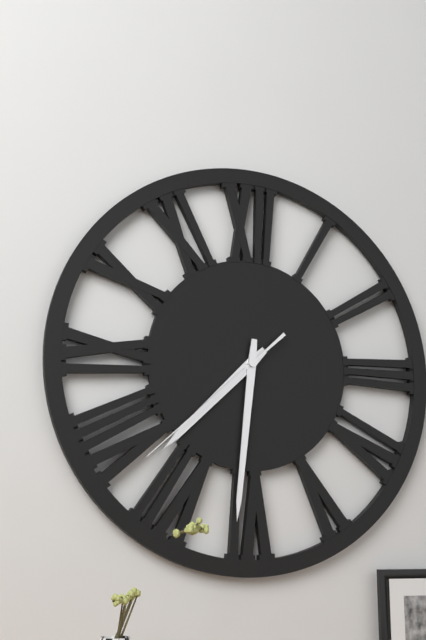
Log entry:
**7:31:38**
